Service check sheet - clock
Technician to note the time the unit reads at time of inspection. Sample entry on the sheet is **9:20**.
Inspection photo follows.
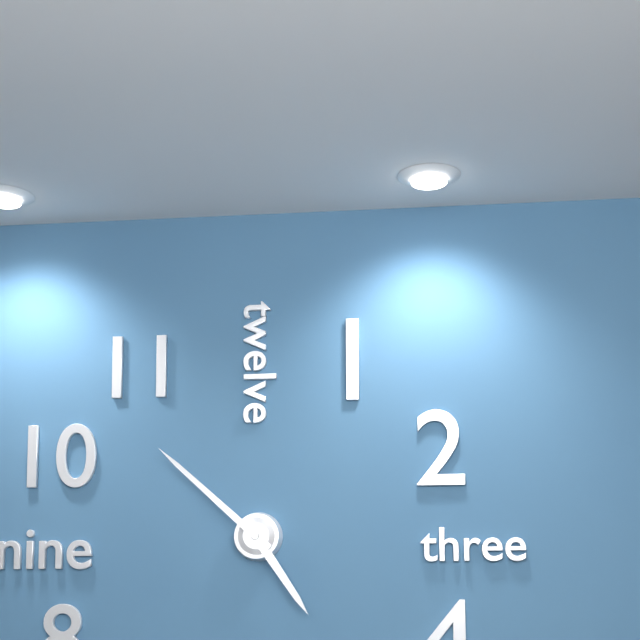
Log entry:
**4:52**
